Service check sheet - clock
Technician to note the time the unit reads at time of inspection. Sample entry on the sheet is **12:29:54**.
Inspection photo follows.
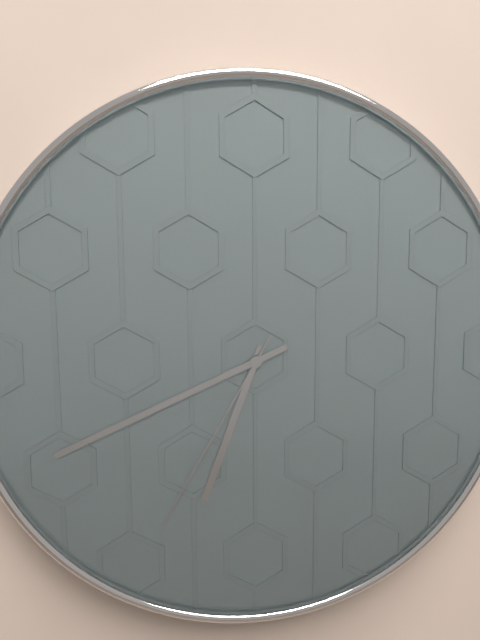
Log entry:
**6:41:35**
